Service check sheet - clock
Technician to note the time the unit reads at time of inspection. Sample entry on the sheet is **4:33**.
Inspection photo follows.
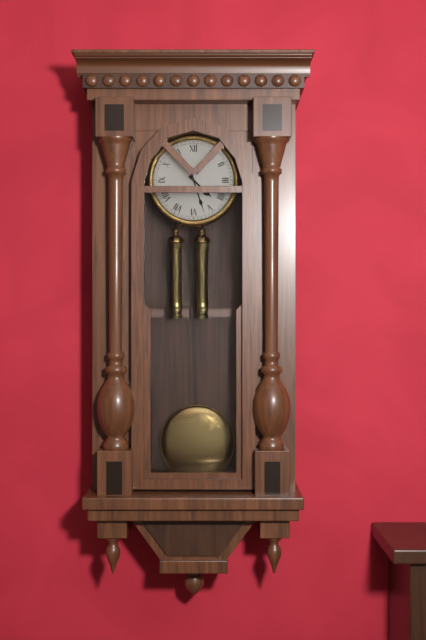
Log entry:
**4:27**
